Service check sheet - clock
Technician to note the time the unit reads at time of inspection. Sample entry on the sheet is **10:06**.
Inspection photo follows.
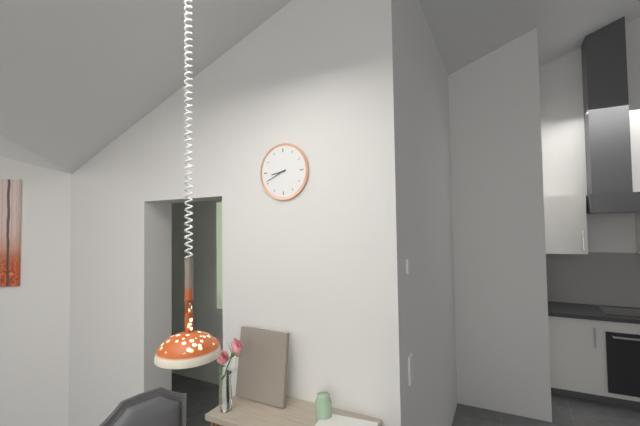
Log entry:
**8:41**
